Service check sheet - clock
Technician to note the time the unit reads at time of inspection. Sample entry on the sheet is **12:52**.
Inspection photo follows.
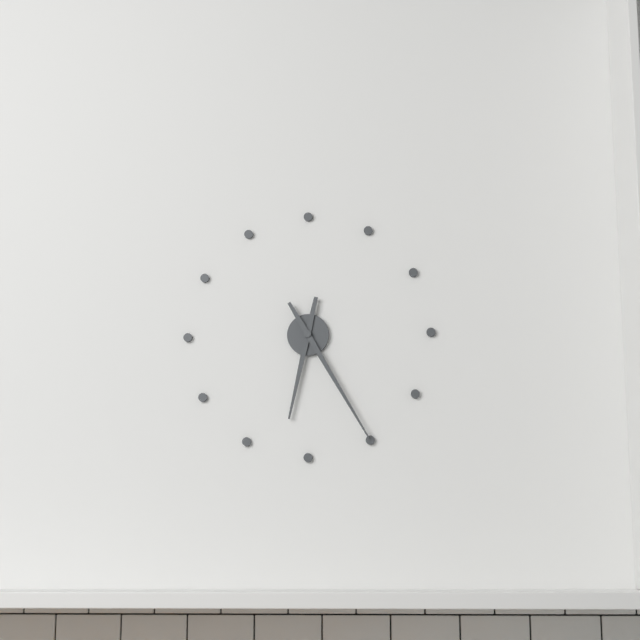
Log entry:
**6:25**
